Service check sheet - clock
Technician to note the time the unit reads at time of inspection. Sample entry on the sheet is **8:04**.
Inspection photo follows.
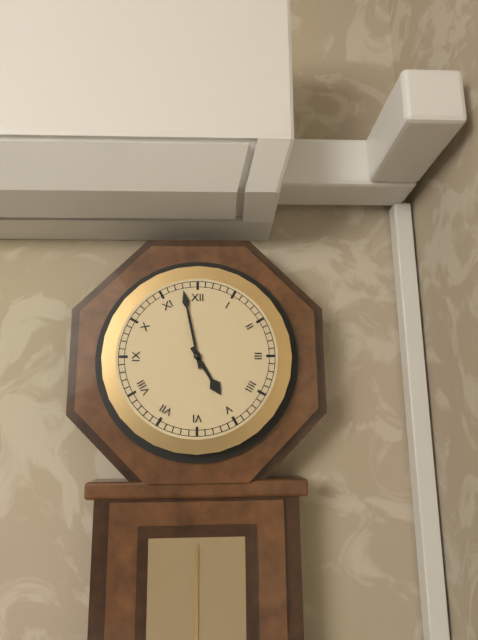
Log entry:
**4:58**
